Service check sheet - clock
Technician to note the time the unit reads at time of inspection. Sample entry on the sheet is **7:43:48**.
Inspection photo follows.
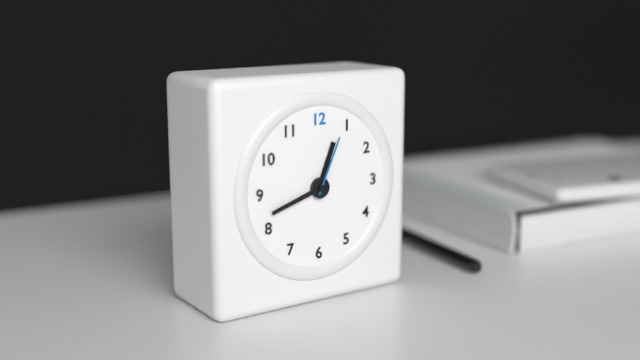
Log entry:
**12:42:04**
